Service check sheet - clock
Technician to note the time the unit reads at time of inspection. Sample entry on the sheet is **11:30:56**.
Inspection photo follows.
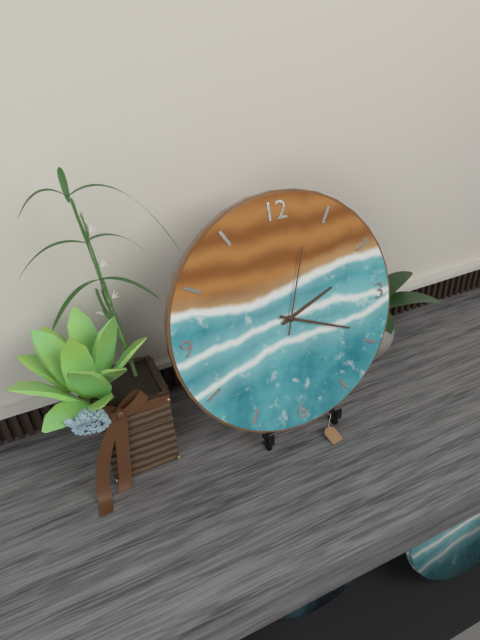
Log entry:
**2:19:03**
